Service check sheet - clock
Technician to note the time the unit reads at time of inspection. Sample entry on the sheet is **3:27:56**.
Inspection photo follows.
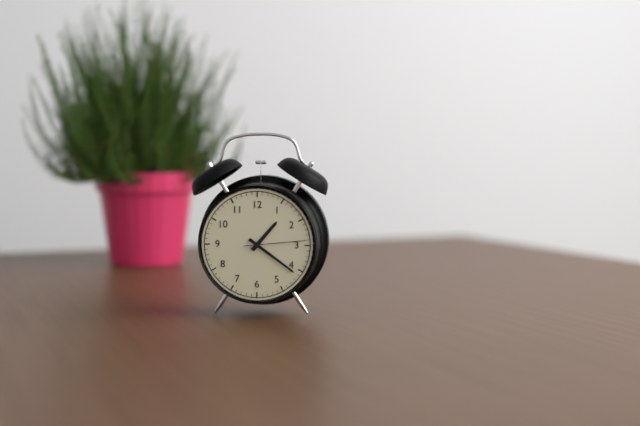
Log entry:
**1:21:14**
